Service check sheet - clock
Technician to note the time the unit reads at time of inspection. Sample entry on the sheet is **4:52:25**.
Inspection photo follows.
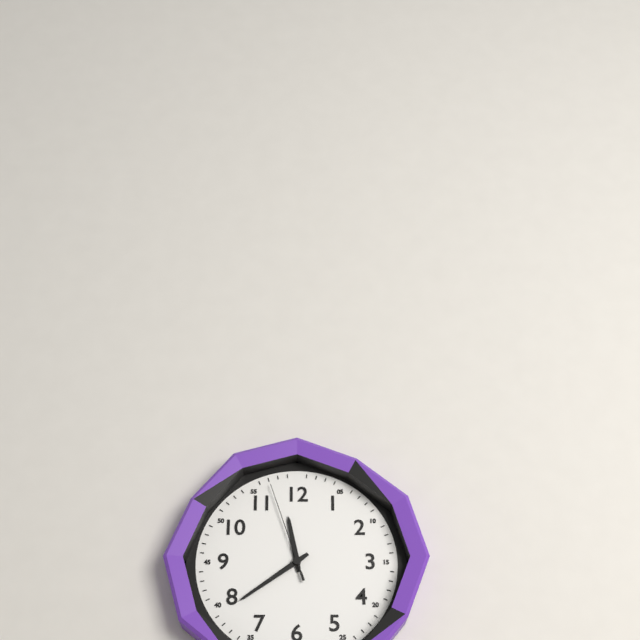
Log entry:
**11:39:57**
